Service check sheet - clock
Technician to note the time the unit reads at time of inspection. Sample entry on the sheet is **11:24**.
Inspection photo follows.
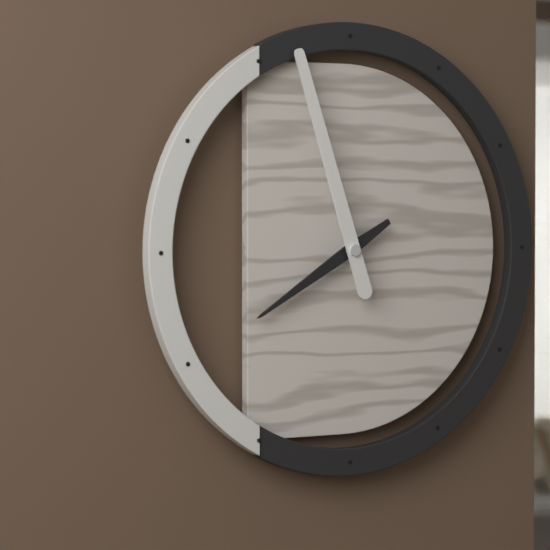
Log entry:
**7:57**
